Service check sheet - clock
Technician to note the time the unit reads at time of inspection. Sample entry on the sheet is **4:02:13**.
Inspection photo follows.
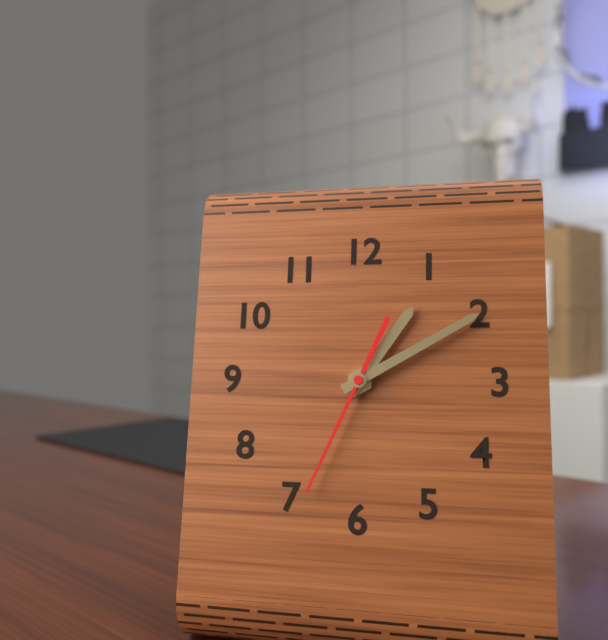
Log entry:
**1:10:34**
